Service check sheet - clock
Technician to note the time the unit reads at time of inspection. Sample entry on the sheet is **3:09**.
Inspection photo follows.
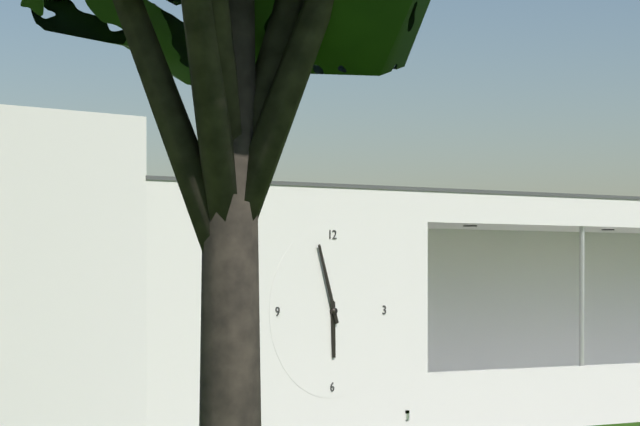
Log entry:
**5:57**
